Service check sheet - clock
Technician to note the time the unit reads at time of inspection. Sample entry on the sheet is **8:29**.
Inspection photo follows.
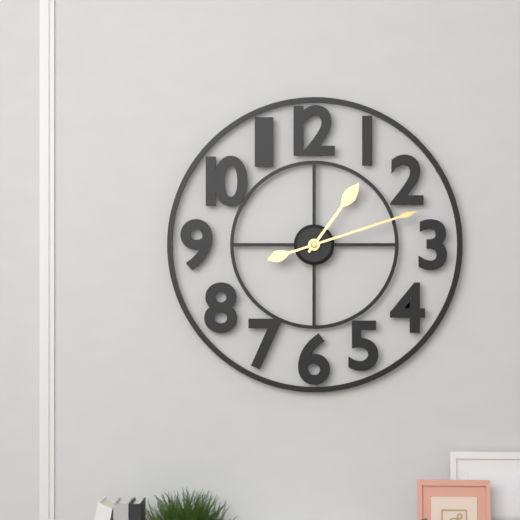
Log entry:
**1:12**
